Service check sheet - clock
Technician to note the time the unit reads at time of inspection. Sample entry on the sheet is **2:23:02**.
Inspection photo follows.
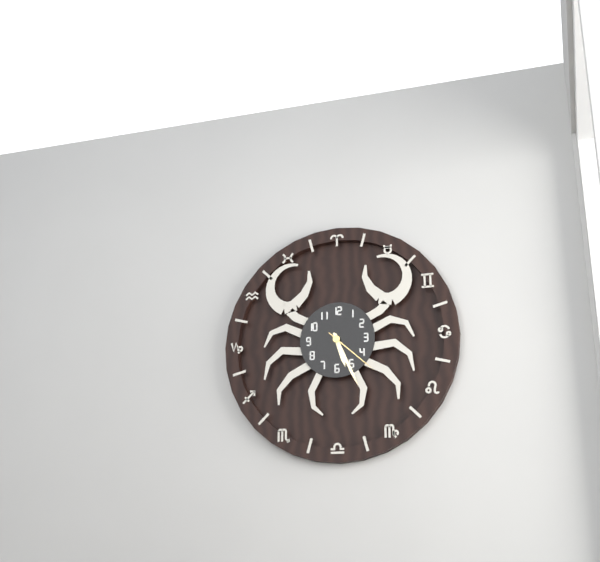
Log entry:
**5:26:22**
